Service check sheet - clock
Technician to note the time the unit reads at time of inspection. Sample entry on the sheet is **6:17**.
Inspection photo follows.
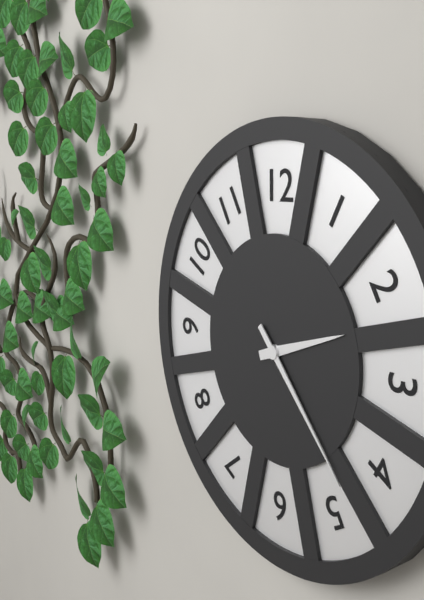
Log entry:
**2:23**
